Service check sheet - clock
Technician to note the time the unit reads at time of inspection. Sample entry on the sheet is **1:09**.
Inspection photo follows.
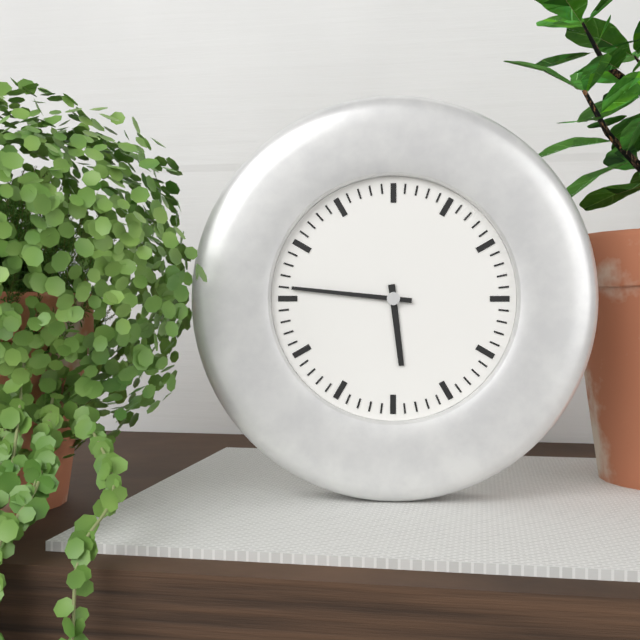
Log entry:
**5:46**
